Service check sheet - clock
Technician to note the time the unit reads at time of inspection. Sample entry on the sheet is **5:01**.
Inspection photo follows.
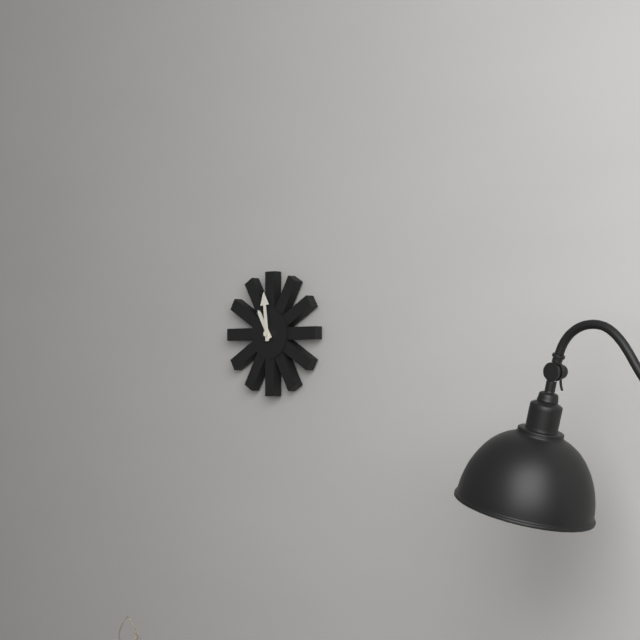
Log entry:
**10:59**
